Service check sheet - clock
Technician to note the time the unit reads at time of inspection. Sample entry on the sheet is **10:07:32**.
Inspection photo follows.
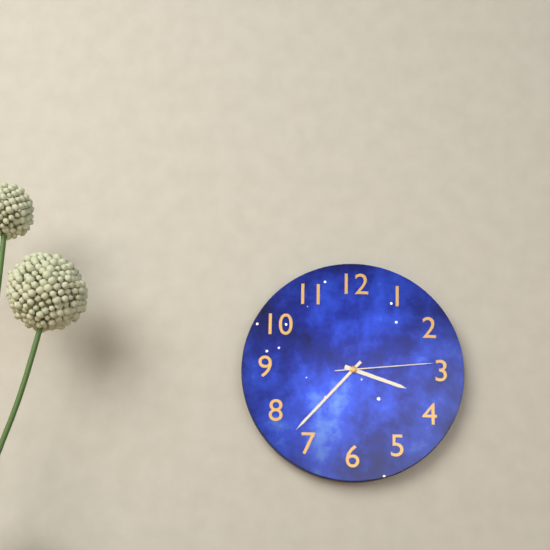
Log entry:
**3:37:14**
